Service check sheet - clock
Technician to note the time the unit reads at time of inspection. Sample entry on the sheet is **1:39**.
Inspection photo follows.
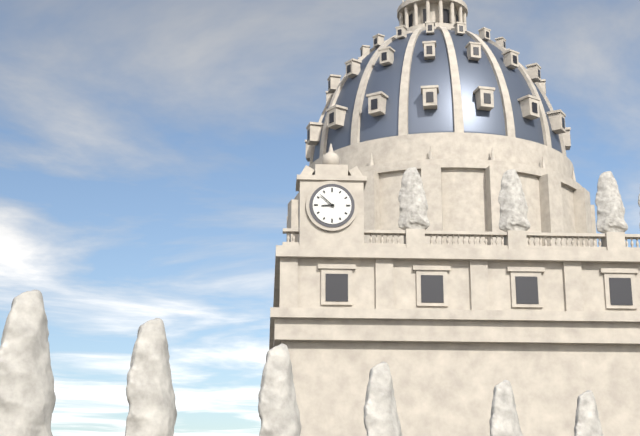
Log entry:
**8:52**
